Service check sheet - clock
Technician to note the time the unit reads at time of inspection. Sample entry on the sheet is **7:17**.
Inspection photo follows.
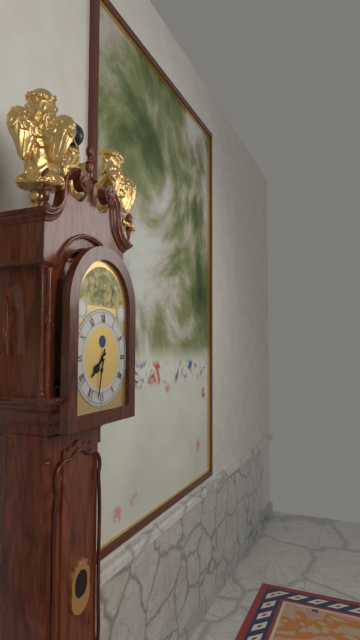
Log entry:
**7:32**
